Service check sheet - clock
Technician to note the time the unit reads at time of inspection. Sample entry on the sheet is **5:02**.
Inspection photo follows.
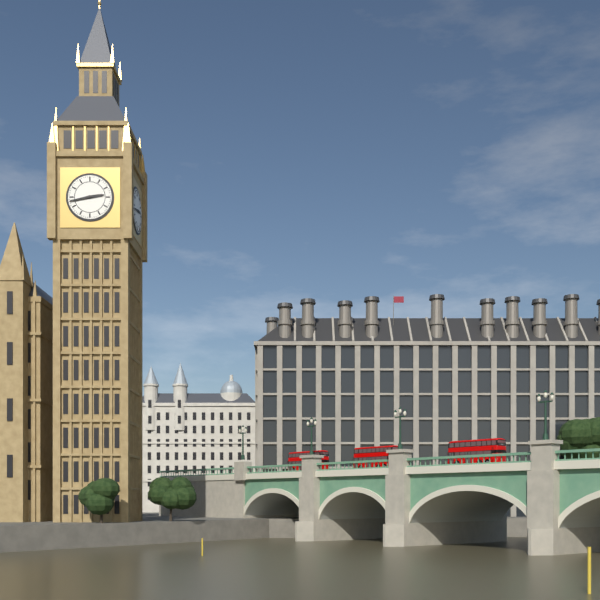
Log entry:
**2:43**
